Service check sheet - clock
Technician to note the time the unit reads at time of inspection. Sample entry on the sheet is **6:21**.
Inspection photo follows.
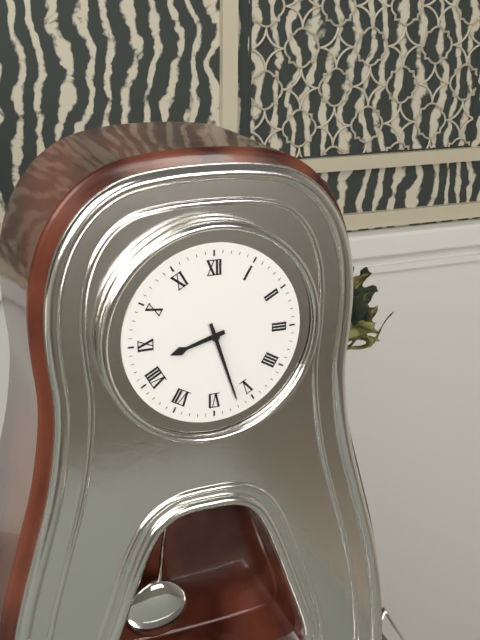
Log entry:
**8:27**
